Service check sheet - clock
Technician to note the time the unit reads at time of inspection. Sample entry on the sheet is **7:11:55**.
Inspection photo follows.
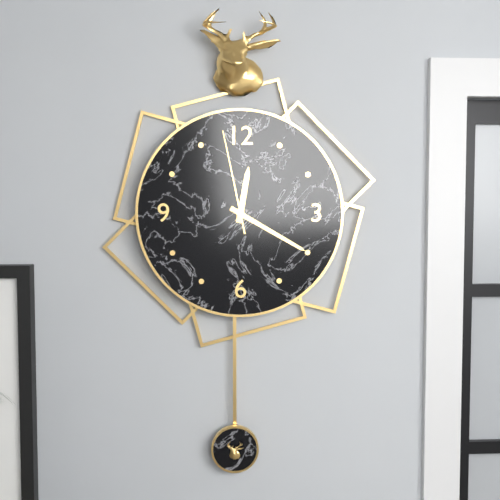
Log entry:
**12:20:58**
